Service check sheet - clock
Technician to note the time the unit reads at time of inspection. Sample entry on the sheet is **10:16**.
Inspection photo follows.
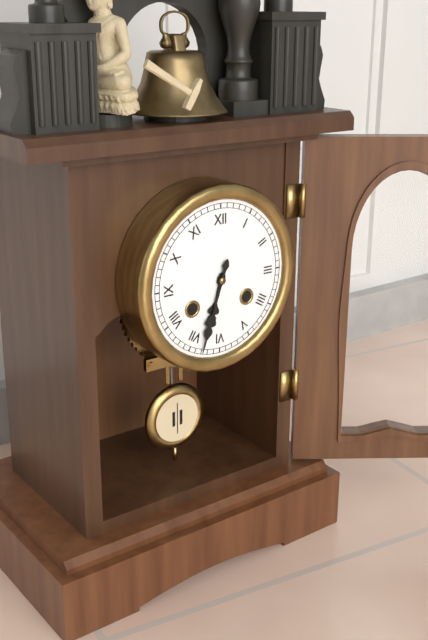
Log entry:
**6:33**
